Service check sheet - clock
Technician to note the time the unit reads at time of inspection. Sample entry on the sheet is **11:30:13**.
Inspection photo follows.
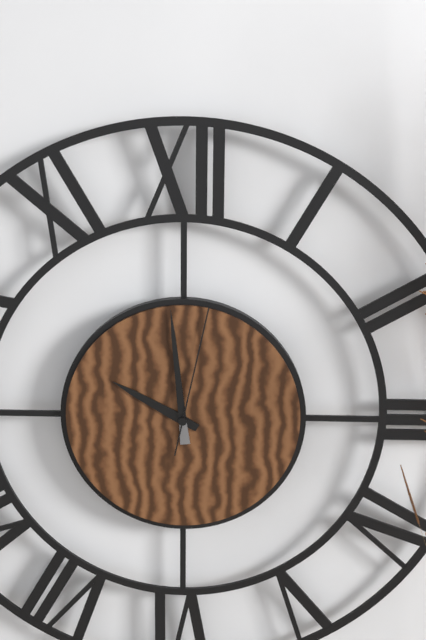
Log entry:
**9:59:02**
